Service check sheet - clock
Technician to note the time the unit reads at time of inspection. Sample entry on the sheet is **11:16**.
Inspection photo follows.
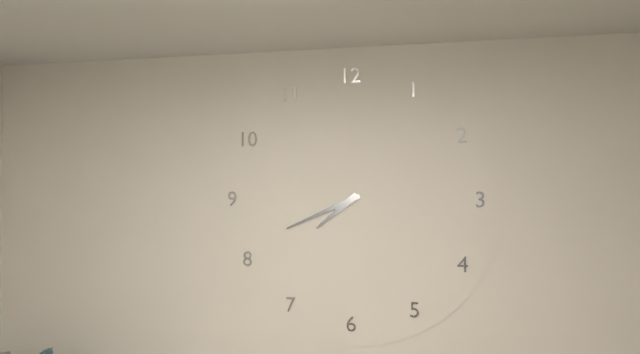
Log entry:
**7:41**
